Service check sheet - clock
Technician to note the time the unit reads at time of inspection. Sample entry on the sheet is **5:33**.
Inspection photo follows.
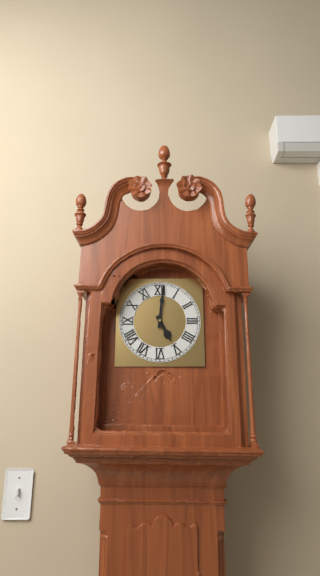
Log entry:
**5:01**
